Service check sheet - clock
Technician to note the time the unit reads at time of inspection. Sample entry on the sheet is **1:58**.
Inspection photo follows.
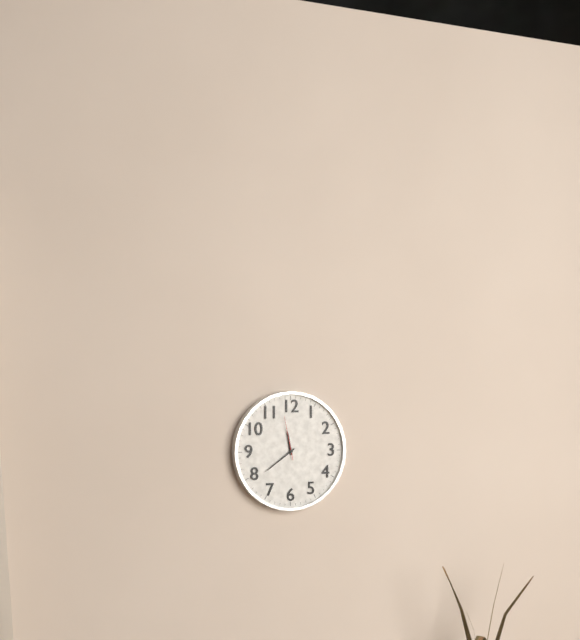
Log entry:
**11:39**
